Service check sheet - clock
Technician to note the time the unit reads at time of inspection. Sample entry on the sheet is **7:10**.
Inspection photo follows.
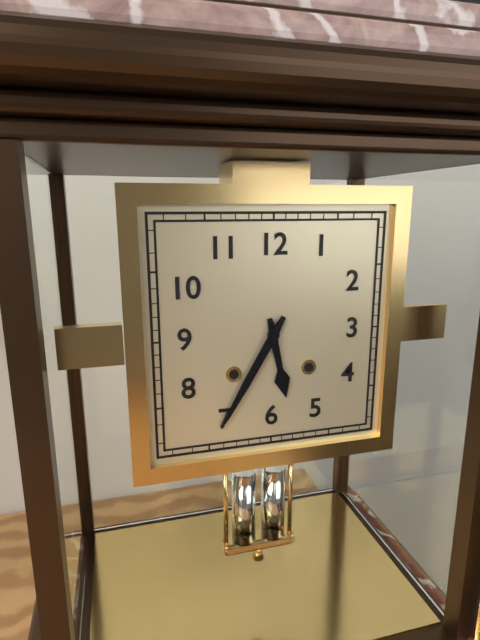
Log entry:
**5:35**
